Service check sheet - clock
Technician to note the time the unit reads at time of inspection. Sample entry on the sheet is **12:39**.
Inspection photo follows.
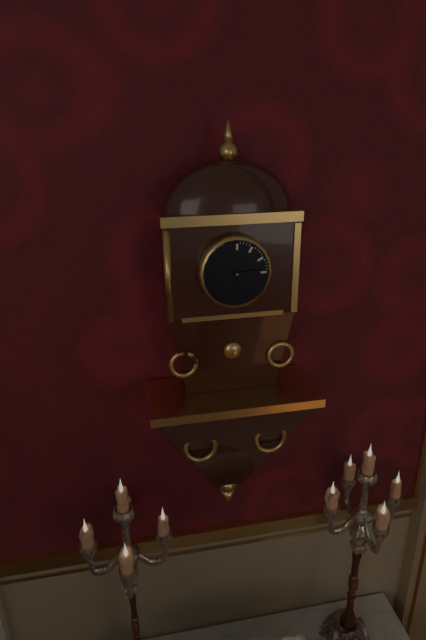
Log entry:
**5:14**
